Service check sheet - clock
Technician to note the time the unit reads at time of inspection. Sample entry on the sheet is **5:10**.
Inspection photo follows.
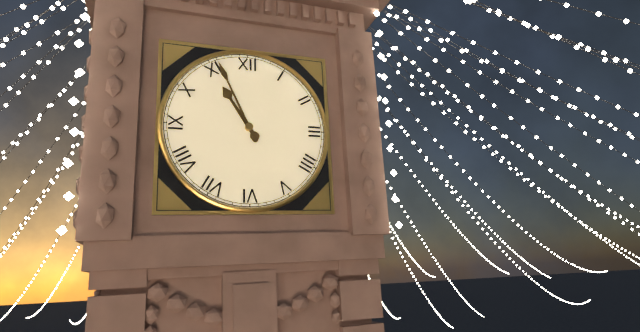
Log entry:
**10:56**
